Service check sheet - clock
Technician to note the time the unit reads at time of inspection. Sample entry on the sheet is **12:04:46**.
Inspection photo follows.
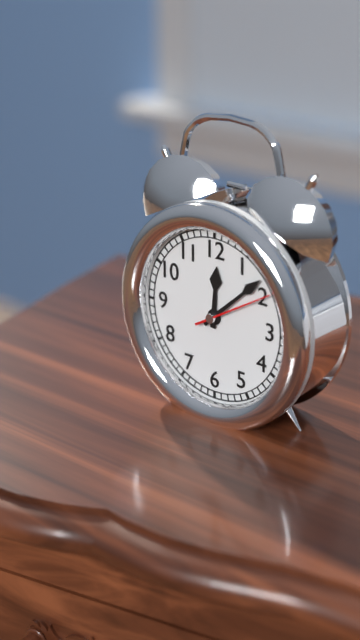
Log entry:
**12:08:10**
